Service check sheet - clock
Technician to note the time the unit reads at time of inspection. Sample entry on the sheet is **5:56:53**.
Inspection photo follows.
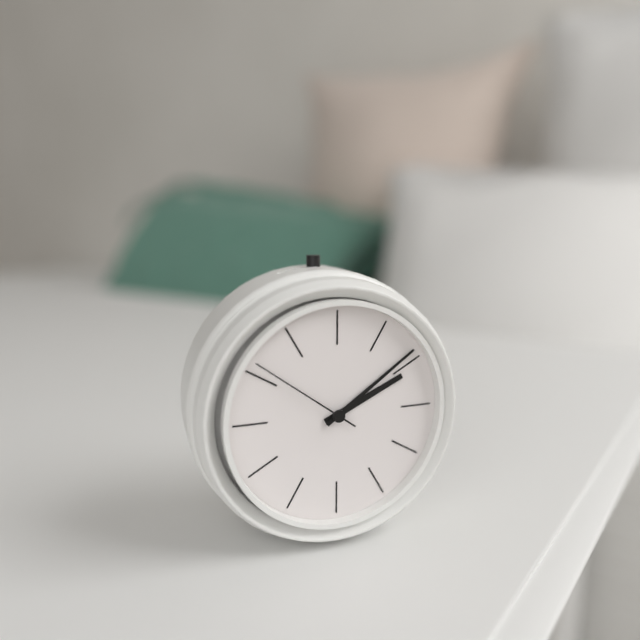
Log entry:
**2:09:51**
